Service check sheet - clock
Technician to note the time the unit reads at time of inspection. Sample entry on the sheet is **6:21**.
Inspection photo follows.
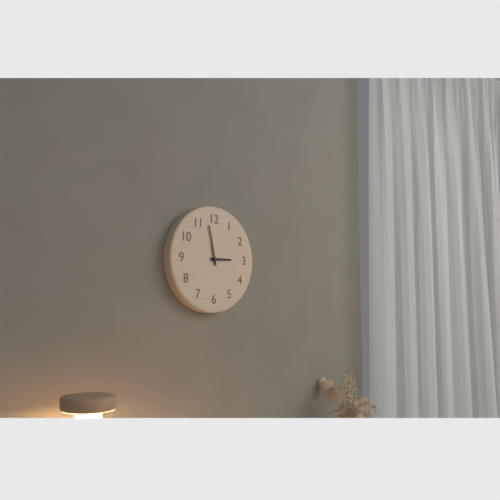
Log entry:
**2:58**
